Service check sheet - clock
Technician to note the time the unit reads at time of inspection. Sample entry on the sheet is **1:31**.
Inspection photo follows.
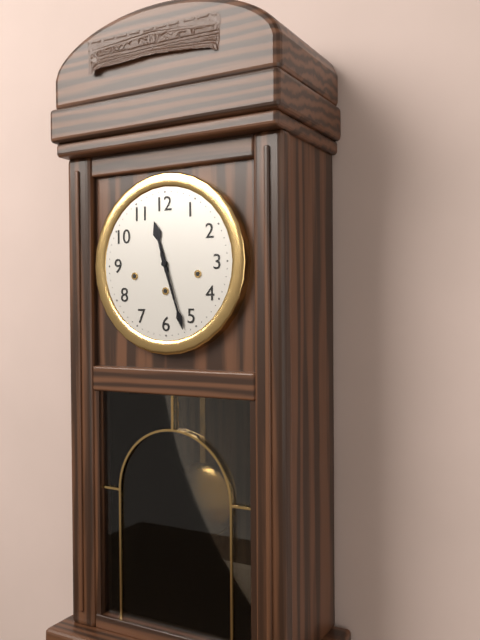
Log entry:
**11:27**
